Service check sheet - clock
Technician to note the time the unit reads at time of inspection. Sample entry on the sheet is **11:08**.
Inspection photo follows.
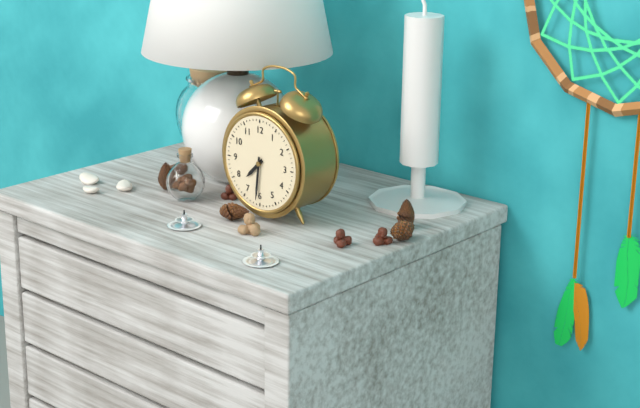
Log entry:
**7:31**
